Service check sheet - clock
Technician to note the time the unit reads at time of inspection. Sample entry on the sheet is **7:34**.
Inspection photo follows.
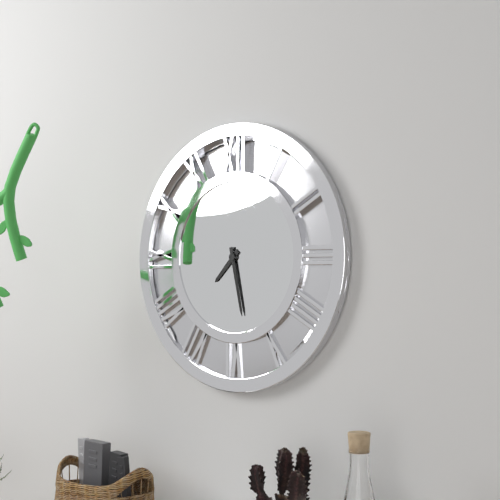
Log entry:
**7:28**
